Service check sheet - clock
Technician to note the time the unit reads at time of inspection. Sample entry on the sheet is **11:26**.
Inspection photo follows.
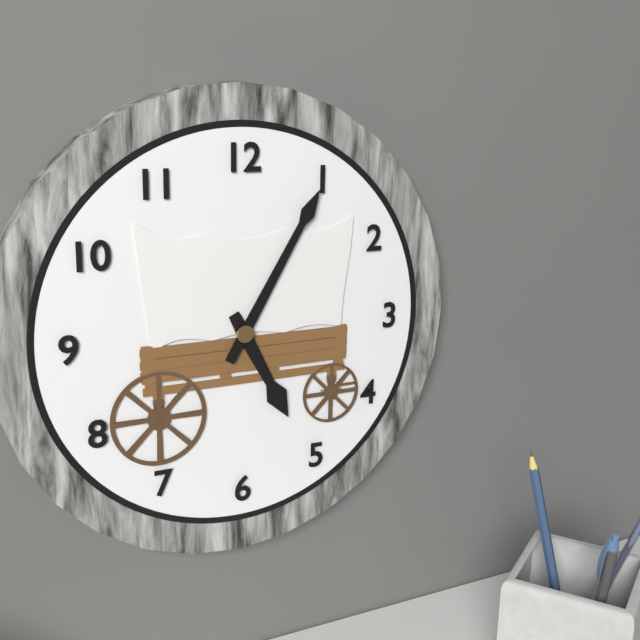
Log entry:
**5:05**
